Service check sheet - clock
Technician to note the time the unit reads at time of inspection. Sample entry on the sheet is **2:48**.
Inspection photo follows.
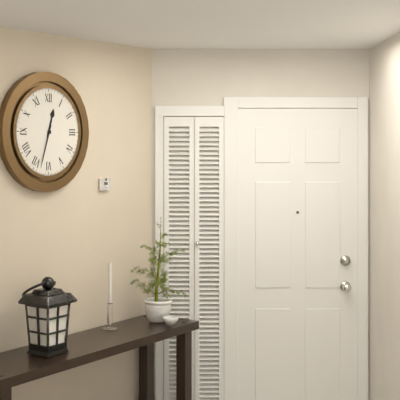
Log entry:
**12:33**
